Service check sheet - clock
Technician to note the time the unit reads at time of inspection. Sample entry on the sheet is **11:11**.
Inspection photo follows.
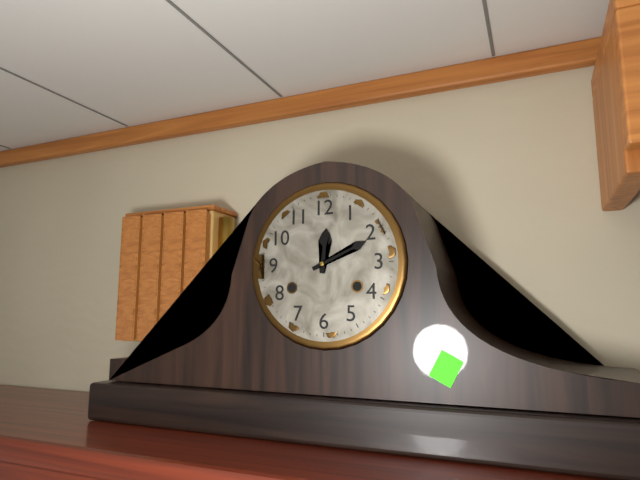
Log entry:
**12:11**
